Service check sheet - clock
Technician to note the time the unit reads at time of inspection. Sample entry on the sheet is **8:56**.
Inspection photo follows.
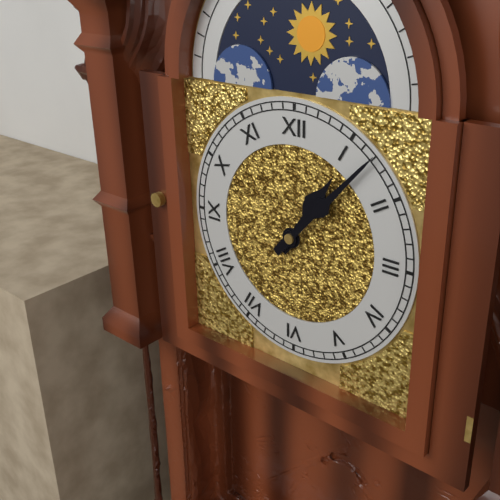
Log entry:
**1:07**
